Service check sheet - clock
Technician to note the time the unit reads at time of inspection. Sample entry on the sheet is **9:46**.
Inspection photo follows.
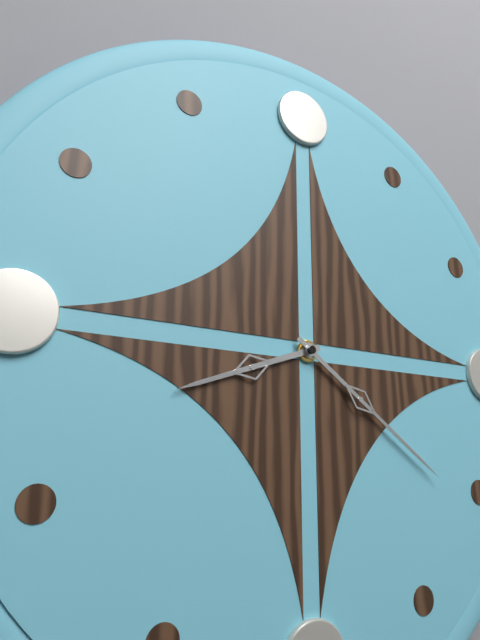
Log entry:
**8:21**
